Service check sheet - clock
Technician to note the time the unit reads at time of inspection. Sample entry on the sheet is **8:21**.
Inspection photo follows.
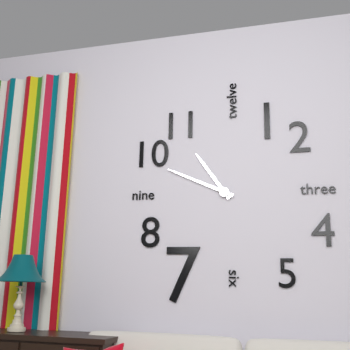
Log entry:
**10:49**
